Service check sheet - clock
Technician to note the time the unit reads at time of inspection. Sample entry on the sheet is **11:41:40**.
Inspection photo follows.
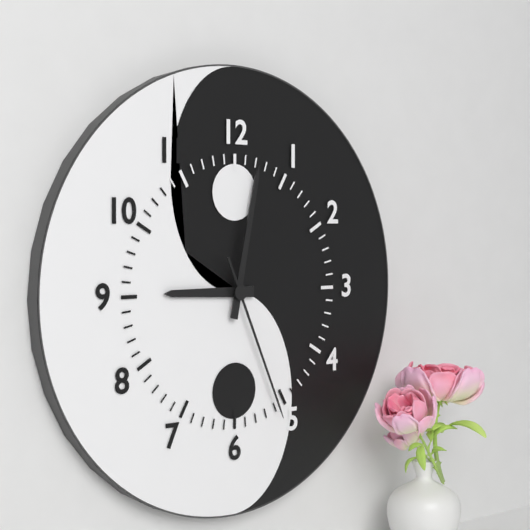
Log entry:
**9:02:26**
